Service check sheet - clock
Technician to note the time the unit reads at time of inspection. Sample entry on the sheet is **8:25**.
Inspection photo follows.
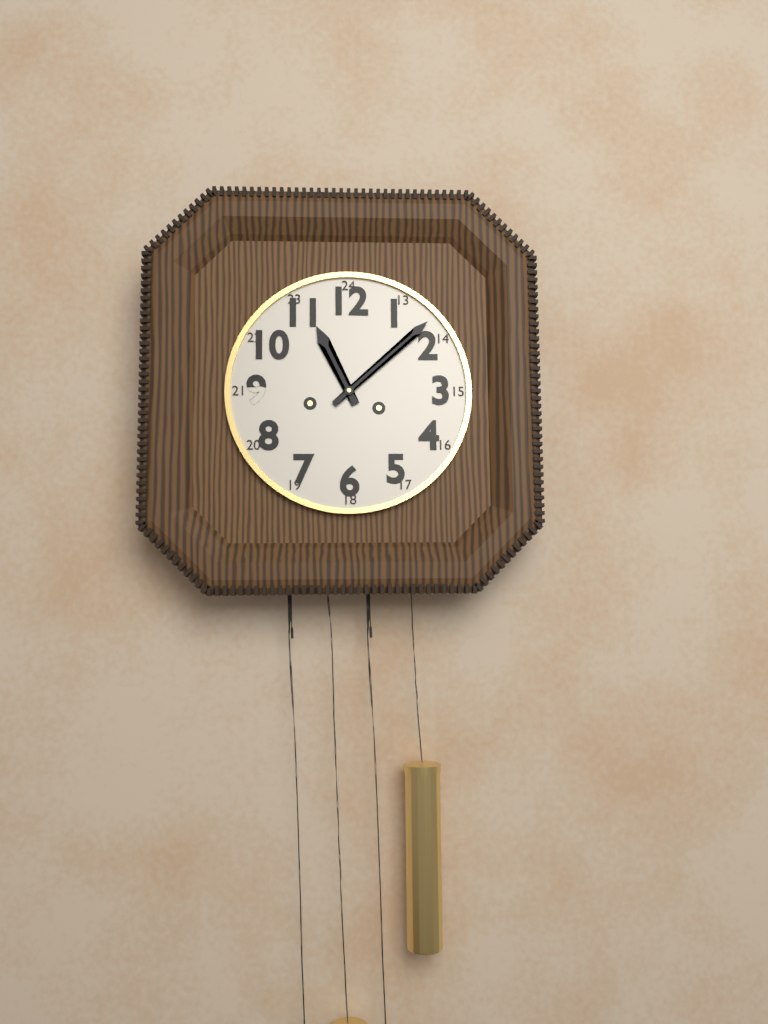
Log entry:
**11:08**
